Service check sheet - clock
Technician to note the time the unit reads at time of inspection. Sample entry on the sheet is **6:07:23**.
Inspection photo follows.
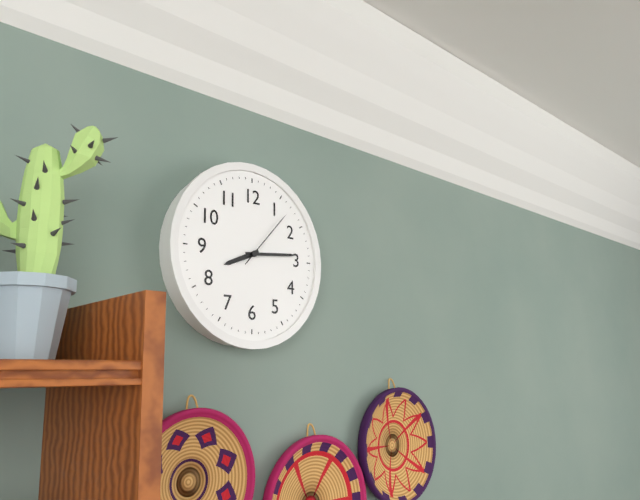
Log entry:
**8:14:07**
